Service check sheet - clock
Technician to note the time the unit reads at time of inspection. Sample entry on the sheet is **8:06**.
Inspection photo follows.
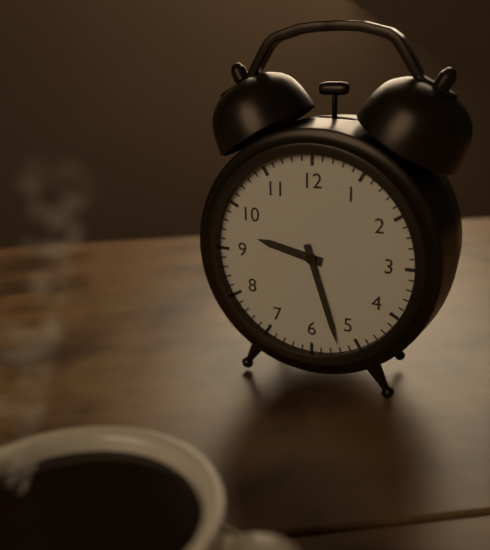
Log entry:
**9:27**
